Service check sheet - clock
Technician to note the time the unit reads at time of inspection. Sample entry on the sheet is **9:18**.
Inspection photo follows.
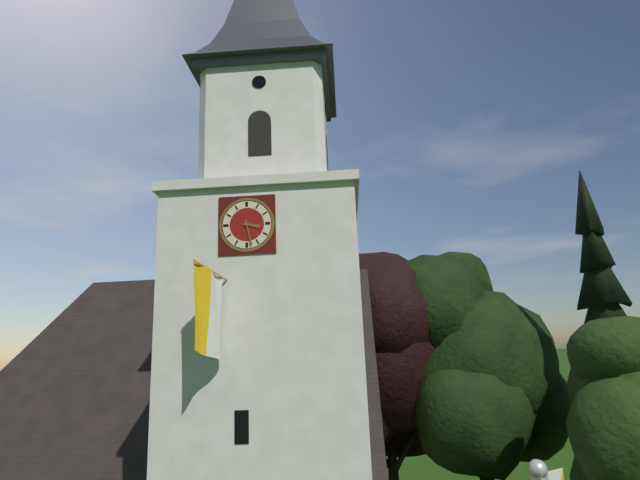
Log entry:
**3:28**
